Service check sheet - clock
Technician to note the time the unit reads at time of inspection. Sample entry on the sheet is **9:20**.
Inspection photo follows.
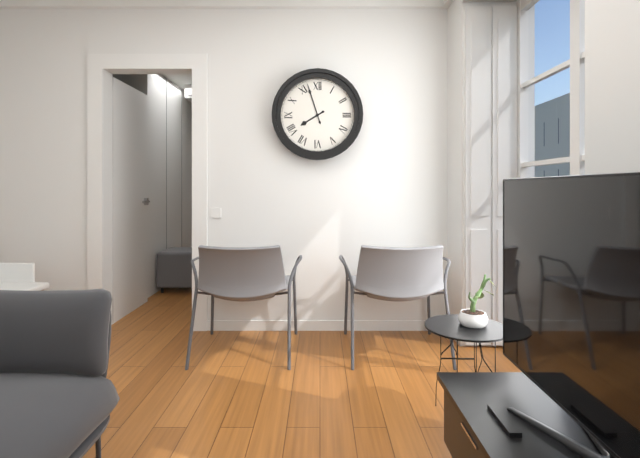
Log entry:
**7:57**
